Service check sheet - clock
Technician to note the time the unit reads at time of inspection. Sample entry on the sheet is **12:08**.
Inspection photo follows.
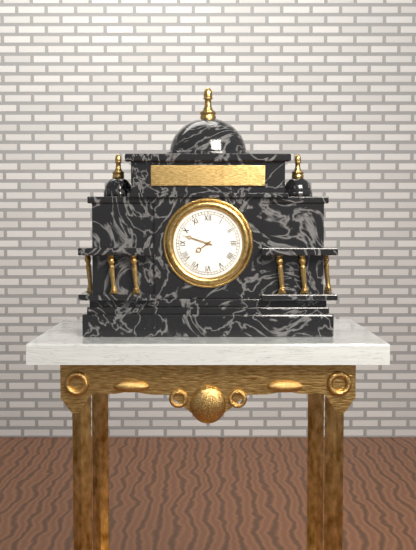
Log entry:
**7:48**
